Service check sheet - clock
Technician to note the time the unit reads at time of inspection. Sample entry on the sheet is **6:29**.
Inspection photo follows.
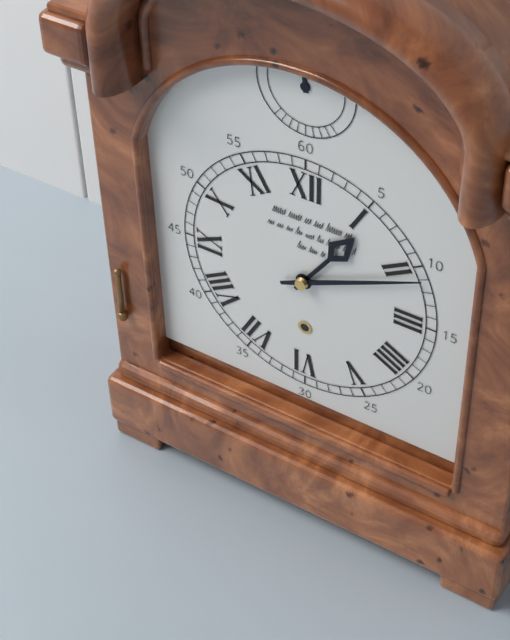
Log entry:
**1:11**
